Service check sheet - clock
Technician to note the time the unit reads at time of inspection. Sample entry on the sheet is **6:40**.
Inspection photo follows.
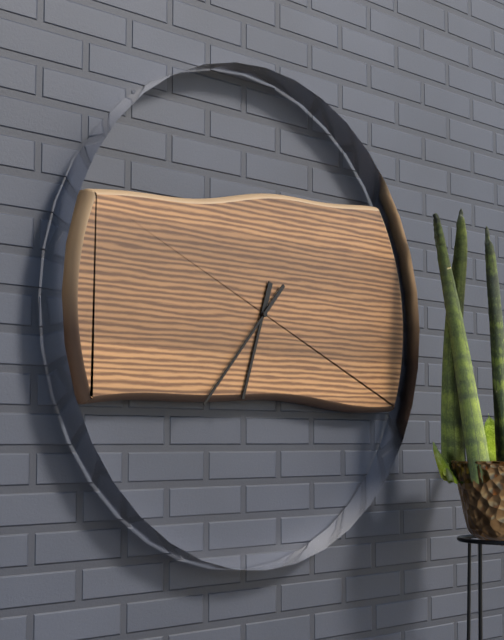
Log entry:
**6:37**
